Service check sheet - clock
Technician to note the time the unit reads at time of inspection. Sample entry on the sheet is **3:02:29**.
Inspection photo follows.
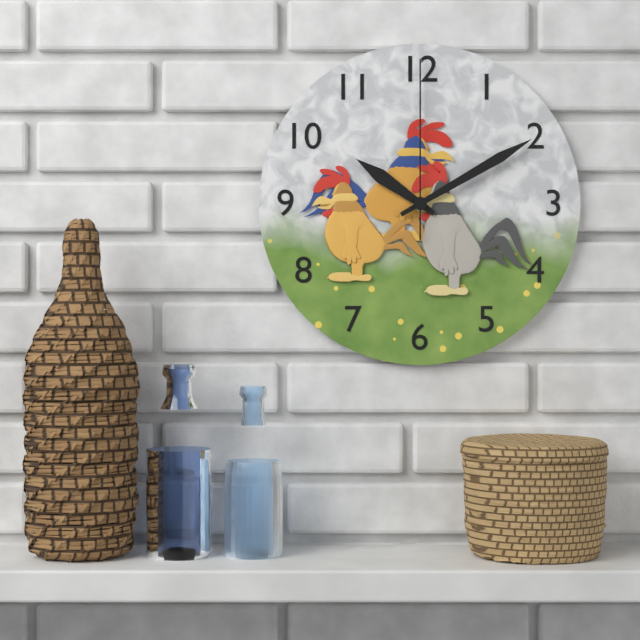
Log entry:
**10:10:00**
